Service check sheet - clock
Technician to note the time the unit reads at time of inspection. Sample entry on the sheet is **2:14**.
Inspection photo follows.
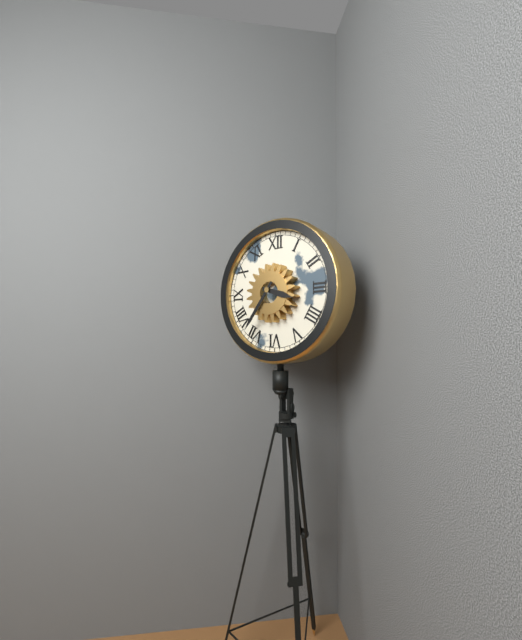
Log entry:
**3:36**
